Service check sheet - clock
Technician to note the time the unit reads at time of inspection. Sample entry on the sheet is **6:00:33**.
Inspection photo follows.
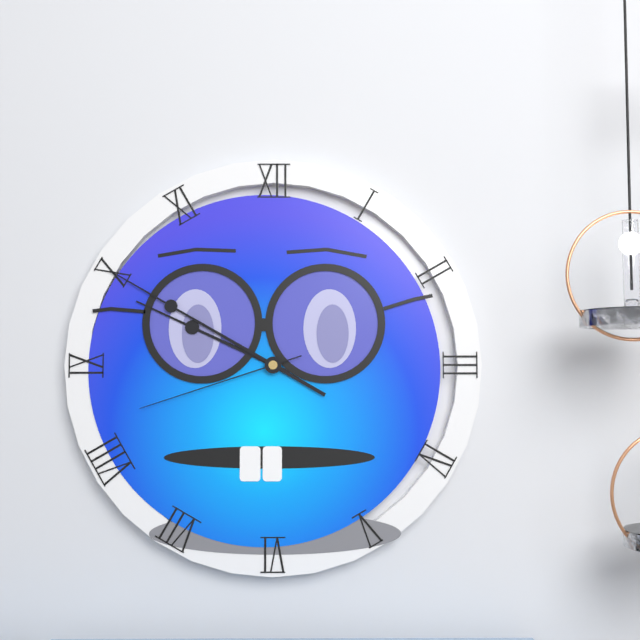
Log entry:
**9:50:42**
